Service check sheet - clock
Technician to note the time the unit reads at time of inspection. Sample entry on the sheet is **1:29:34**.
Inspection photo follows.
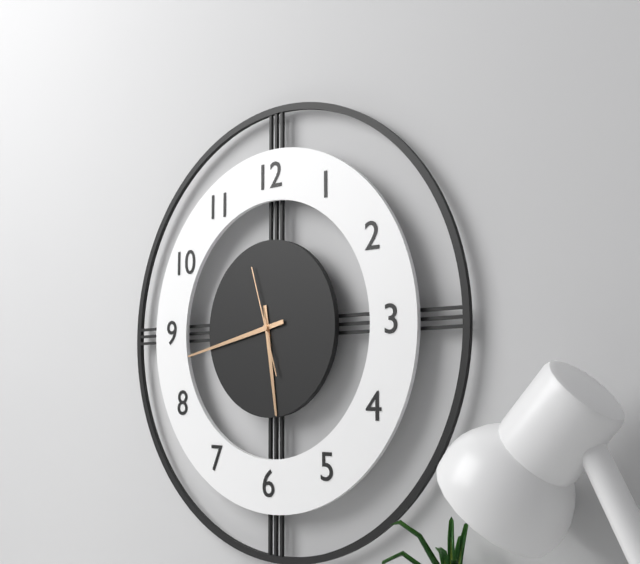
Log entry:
**5:43:57**
